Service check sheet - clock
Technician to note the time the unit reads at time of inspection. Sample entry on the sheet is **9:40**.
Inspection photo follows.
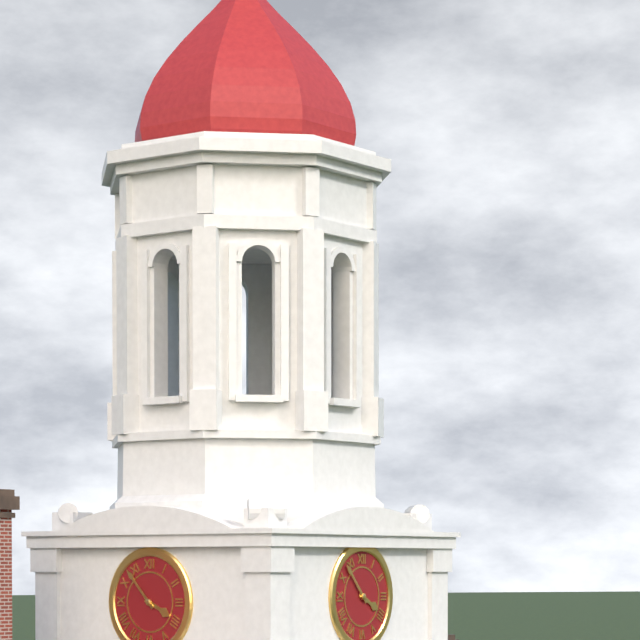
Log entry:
**3:53**
